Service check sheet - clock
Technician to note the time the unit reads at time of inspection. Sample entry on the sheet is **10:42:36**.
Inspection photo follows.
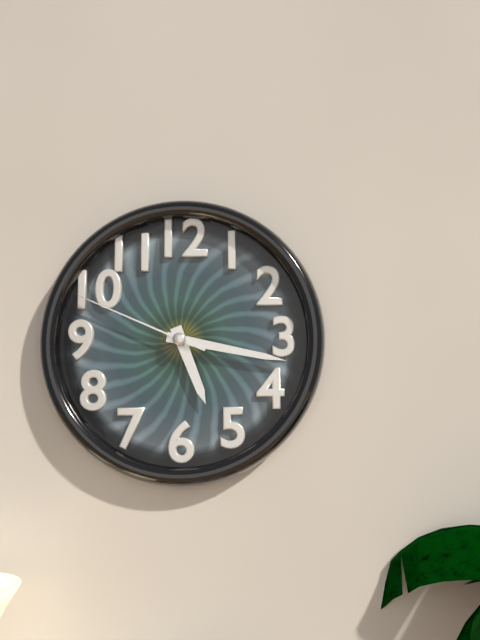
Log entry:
**5:17:49**
